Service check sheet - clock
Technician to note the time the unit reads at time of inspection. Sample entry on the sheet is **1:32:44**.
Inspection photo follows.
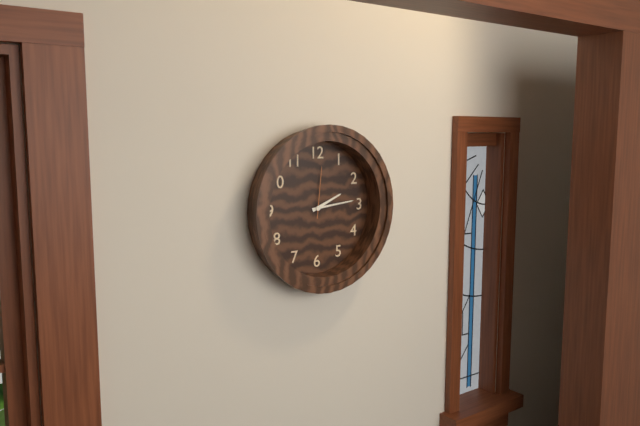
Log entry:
**2:14:01**
